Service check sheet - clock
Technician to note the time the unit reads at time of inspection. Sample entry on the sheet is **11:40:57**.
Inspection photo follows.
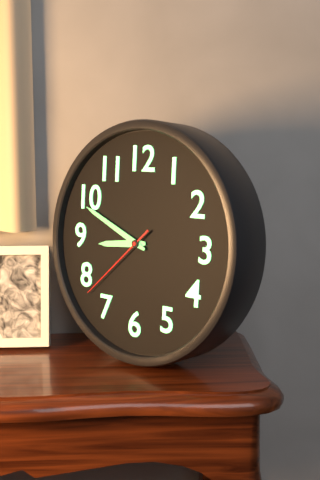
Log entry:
**8:49:38**
